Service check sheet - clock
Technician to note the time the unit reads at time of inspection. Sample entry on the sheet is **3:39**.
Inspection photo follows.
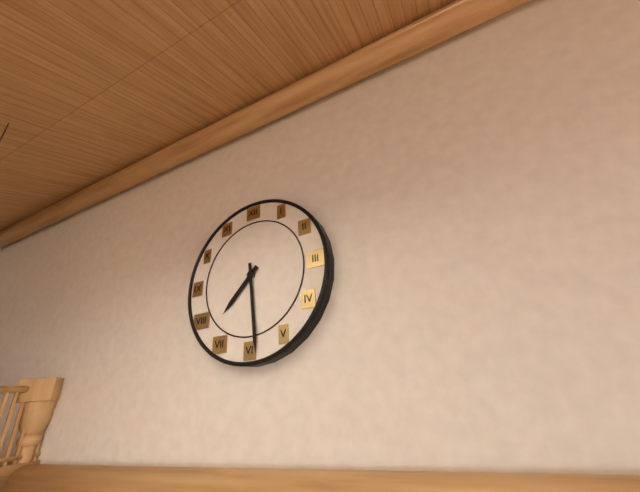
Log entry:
**7:29**
